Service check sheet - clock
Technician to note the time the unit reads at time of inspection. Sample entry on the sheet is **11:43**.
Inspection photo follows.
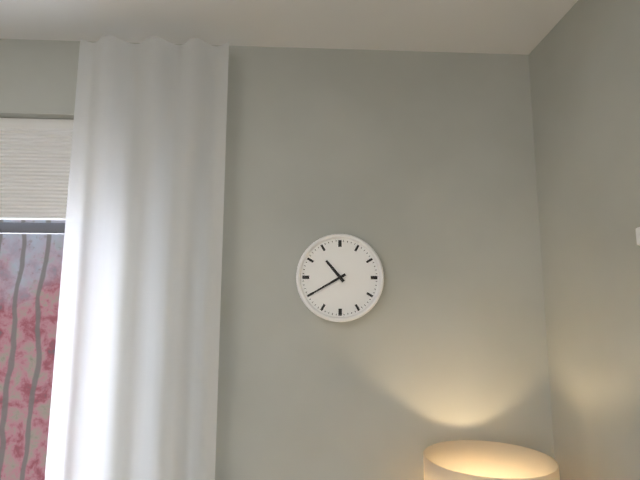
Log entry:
**10:40**
